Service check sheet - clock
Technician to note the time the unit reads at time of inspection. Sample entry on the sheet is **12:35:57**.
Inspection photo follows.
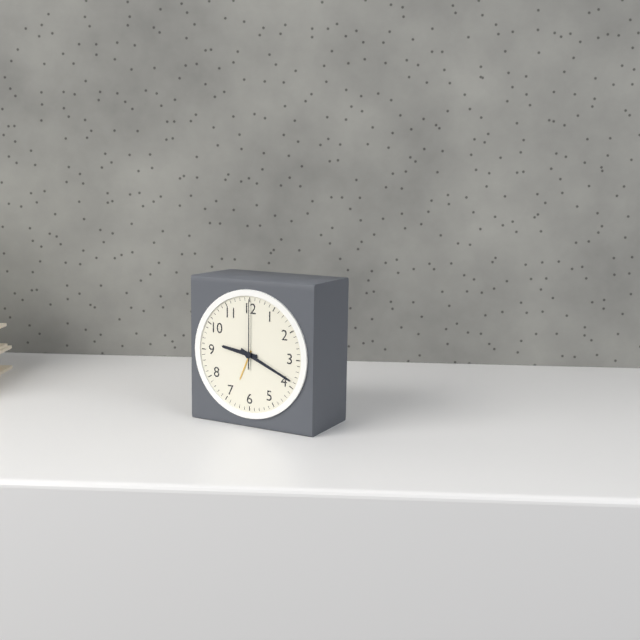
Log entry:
**9:19:00**
